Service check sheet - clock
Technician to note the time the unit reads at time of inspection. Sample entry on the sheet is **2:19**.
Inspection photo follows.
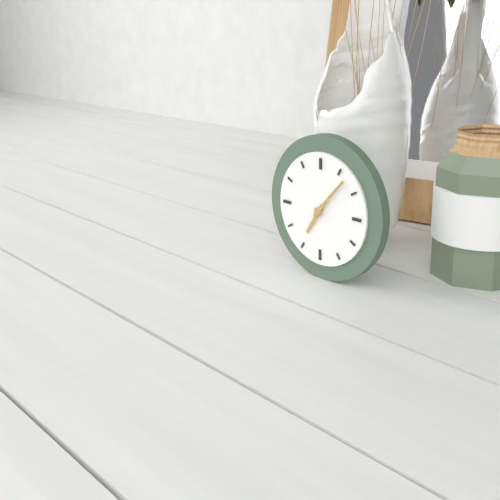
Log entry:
**7:07**
